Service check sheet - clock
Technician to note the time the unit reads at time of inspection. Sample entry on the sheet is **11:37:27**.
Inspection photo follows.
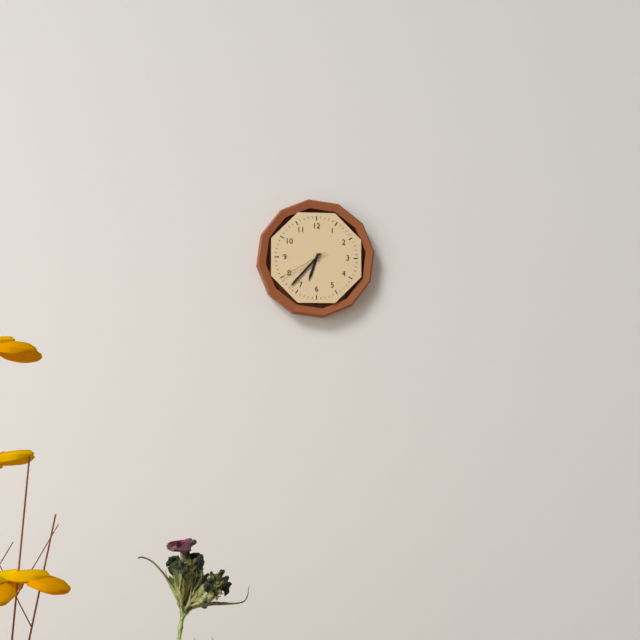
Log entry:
**6:37:40**
